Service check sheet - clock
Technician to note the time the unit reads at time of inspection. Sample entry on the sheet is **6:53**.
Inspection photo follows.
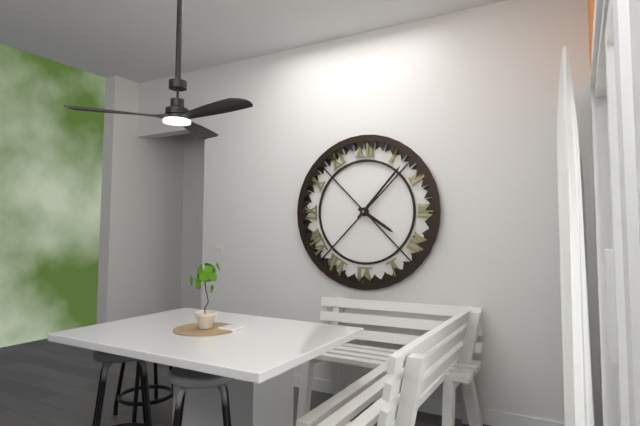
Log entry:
**4:07**
